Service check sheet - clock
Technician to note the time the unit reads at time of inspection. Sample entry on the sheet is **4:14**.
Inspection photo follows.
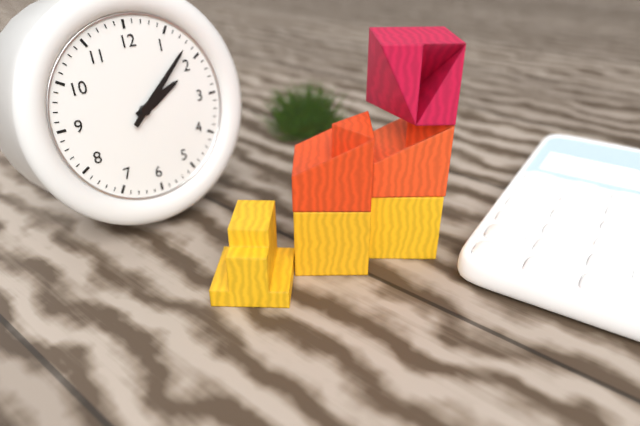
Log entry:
**2:08**
